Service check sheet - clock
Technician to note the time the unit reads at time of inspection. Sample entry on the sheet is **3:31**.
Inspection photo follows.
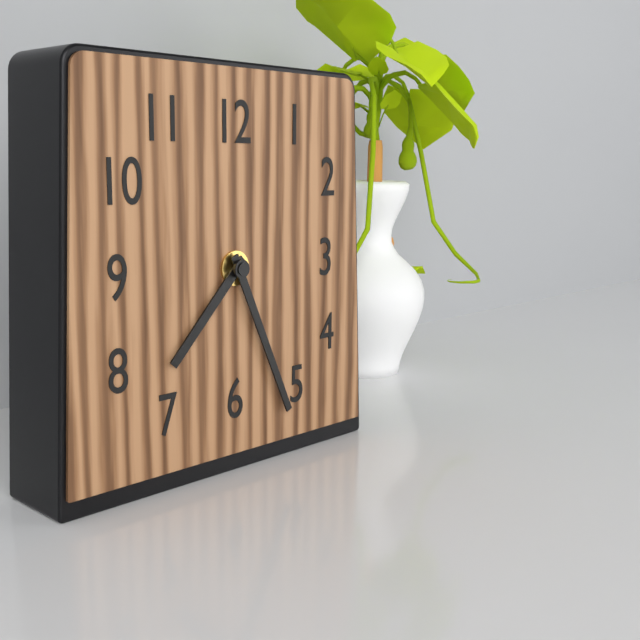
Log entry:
**7:26**
